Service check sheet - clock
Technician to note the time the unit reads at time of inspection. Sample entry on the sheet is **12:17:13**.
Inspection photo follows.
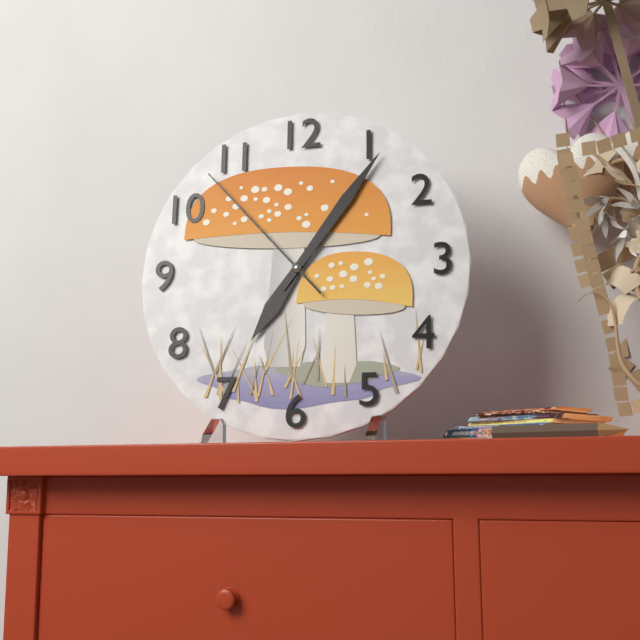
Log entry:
**7:06:53**
